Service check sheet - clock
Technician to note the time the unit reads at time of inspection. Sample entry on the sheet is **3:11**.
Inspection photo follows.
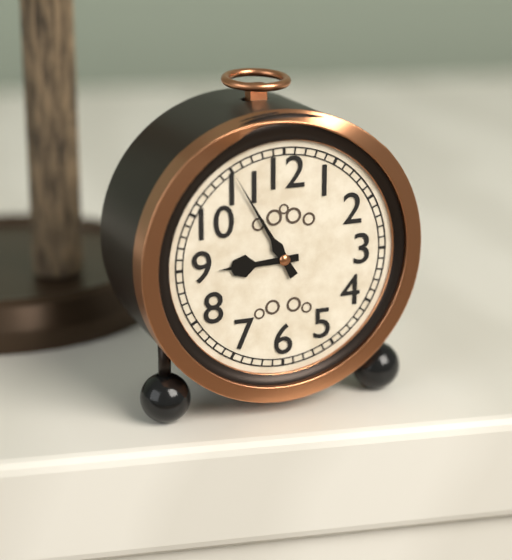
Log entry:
**8:55**
